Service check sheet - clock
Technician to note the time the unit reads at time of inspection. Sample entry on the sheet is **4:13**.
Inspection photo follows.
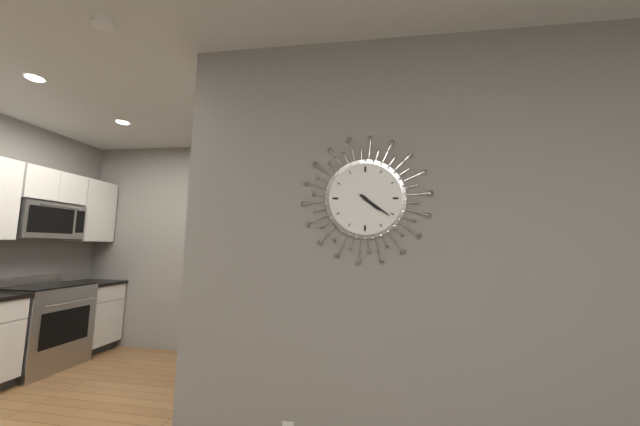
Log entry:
**4:21**
